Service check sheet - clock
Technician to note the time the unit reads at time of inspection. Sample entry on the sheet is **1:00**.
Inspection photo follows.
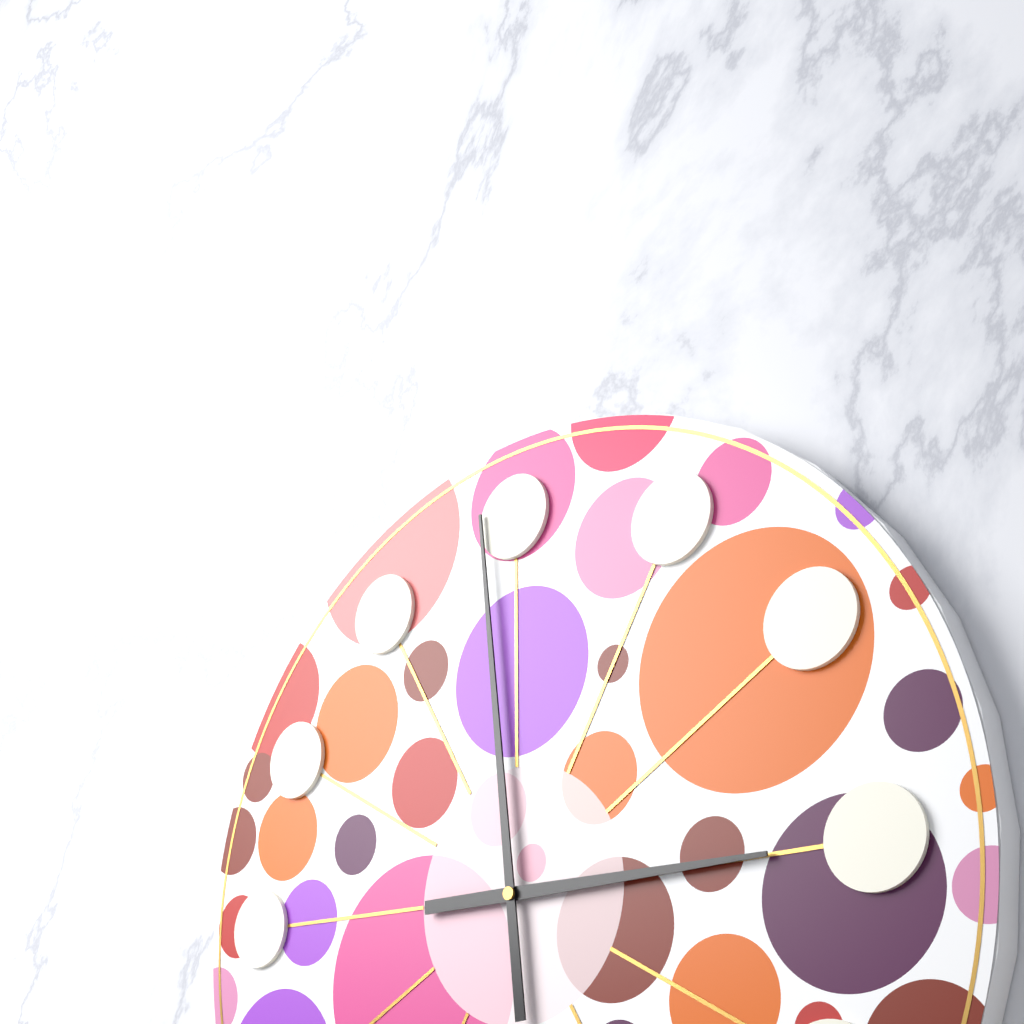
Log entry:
**2:59**
